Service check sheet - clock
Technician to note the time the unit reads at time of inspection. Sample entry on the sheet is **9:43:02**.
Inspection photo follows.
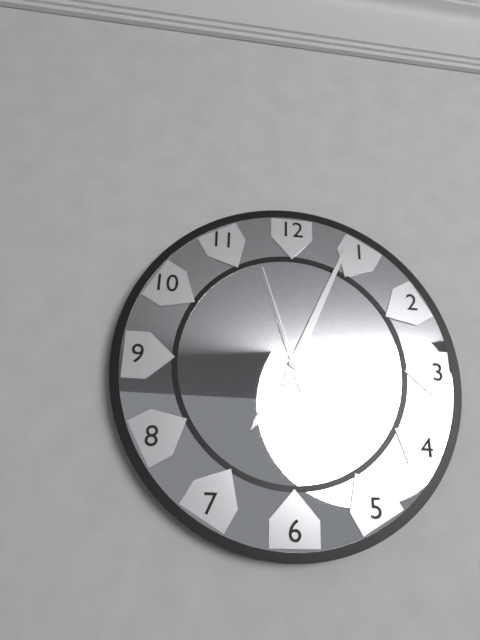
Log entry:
**7:04:57**
